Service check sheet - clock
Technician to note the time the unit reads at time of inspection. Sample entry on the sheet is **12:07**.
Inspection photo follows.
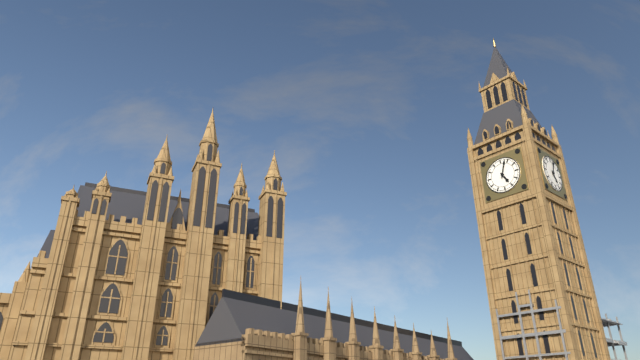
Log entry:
**5:03**
